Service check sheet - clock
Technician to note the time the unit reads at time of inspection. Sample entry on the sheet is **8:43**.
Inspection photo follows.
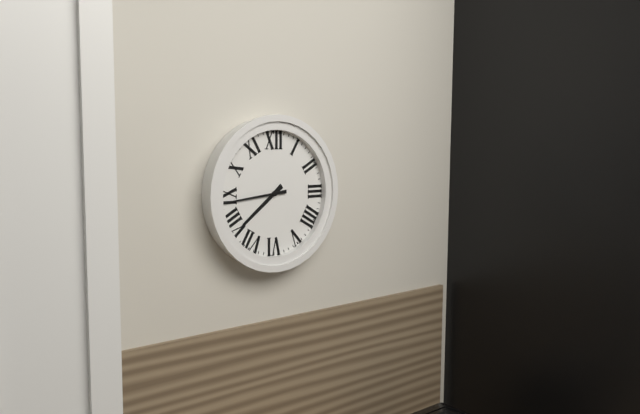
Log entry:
**7:44**
